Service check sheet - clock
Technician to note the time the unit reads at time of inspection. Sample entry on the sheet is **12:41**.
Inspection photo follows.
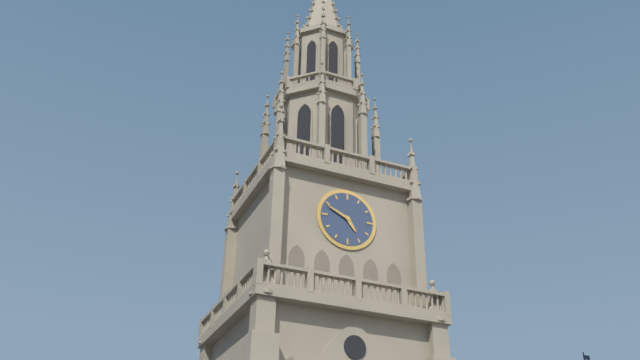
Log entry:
**4:49**
